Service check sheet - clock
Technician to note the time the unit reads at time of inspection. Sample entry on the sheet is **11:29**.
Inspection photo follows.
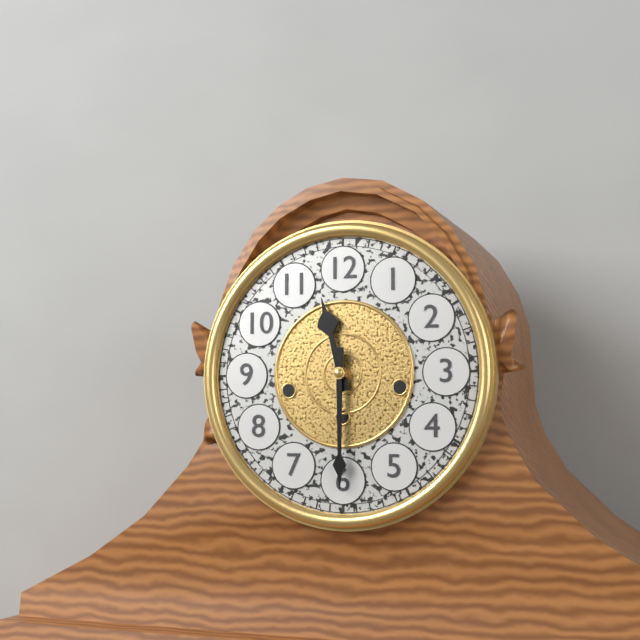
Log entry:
**11:30**
